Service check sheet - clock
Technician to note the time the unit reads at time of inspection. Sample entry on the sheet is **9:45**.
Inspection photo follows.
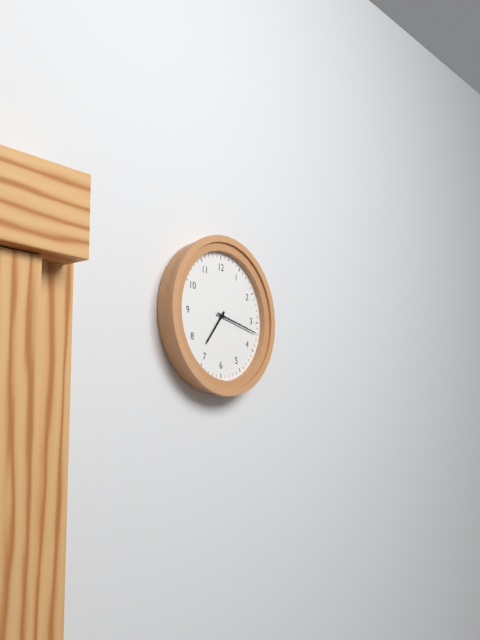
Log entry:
**7:17**
